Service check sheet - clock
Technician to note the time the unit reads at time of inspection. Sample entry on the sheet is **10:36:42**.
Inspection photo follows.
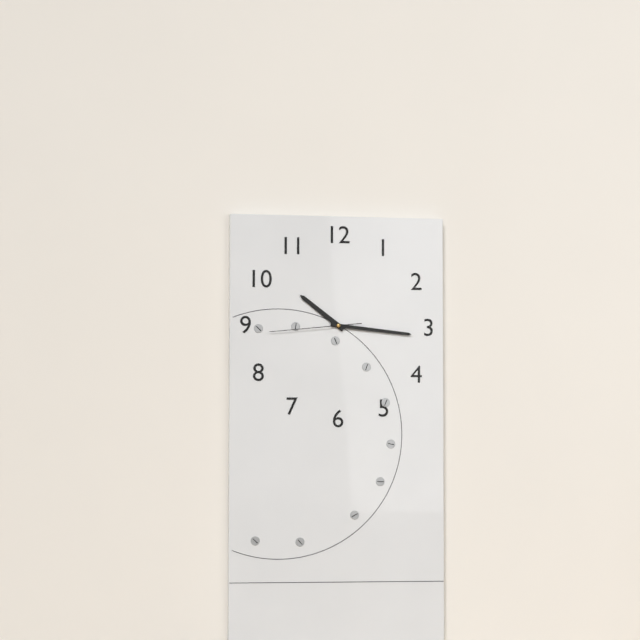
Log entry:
**10:16:44**
